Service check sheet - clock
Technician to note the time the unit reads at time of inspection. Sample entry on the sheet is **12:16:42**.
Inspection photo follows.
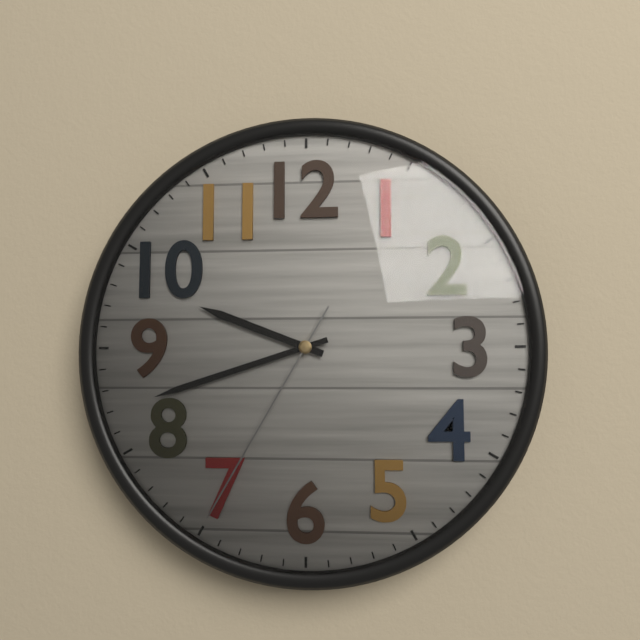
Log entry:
**9:42:35**
